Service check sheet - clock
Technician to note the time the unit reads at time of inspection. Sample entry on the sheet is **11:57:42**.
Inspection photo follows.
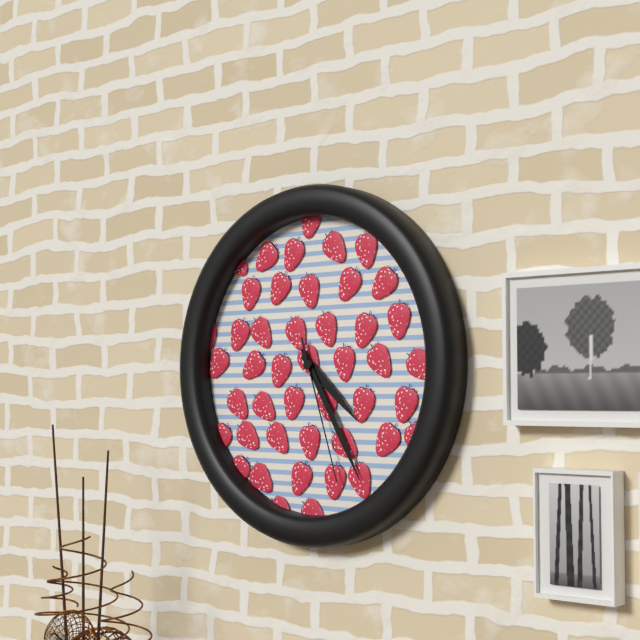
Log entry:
**4:25:27**
